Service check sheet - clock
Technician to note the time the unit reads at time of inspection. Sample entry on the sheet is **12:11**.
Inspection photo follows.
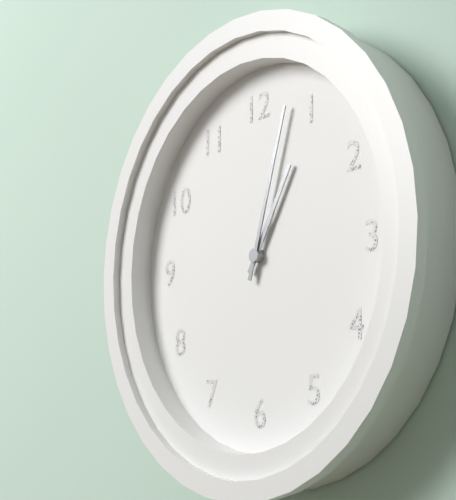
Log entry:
**1:03**
